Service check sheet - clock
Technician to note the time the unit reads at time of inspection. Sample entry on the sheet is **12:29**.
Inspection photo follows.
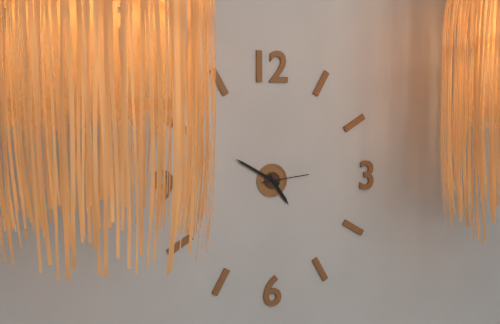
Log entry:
**4:50**
